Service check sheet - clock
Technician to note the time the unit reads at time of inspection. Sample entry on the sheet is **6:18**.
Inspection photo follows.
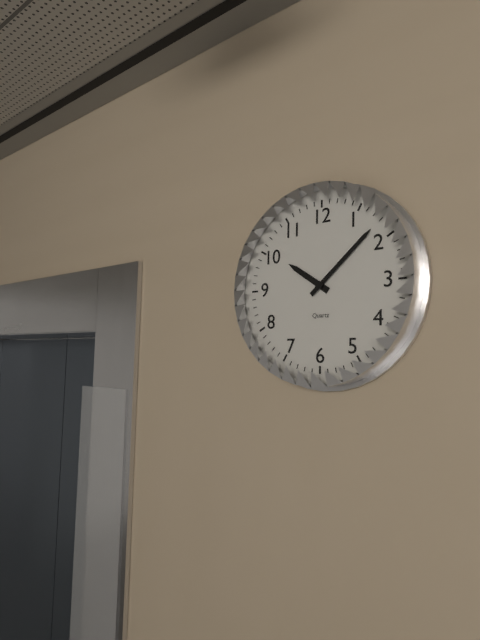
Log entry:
**10:08**
